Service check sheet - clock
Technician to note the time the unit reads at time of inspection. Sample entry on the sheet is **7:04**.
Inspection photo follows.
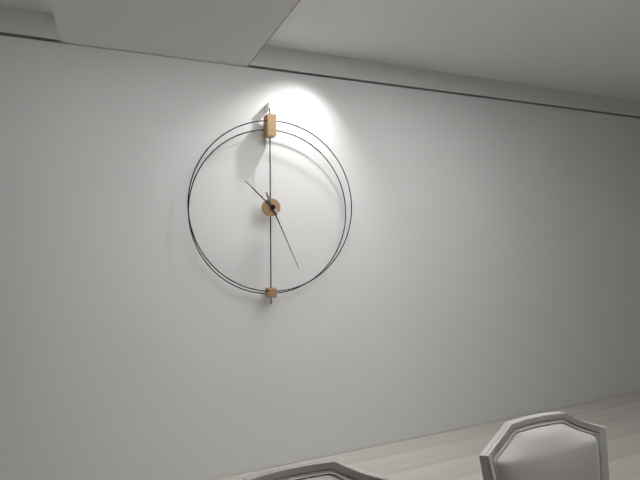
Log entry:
**10:26**
